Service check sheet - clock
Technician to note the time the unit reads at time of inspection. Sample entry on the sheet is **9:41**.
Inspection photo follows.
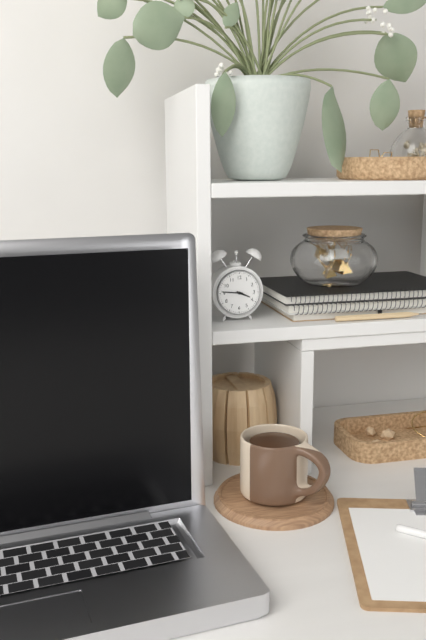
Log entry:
**3:46**
